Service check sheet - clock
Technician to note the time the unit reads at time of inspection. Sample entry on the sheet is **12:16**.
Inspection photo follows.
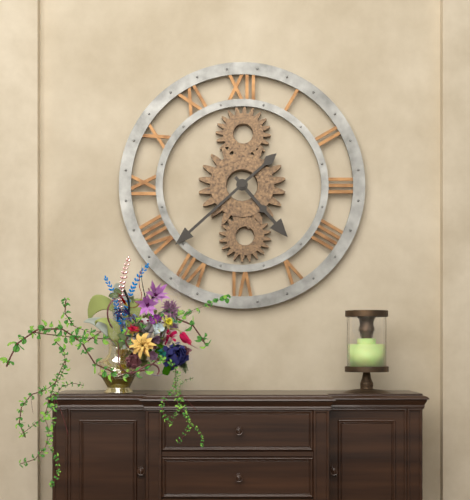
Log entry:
**4:38**
